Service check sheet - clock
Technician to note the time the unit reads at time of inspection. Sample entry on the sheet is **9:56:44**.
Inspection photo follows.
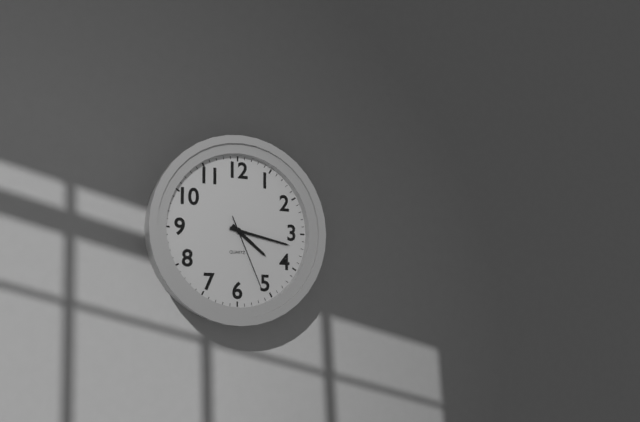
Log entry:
**4:17:26**
